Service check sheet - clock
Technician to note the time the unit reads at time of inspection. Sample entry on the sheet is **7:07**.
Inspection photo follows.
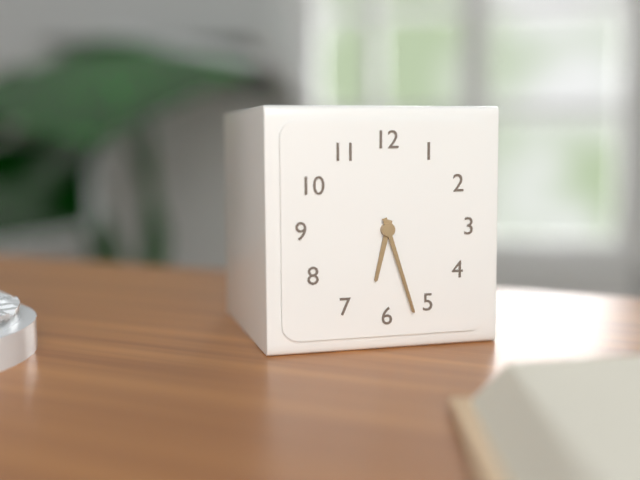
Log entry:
**6:27**
